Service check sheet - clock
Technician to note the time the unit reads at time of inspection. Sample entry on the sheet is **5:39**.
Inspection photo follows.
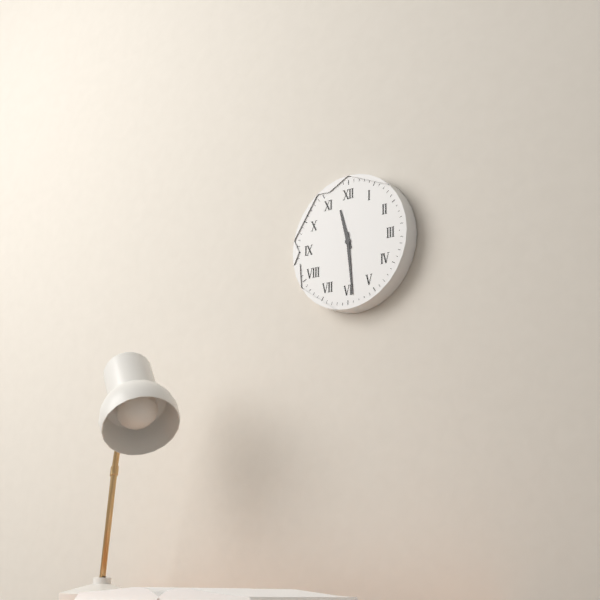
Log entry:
**11:29**
